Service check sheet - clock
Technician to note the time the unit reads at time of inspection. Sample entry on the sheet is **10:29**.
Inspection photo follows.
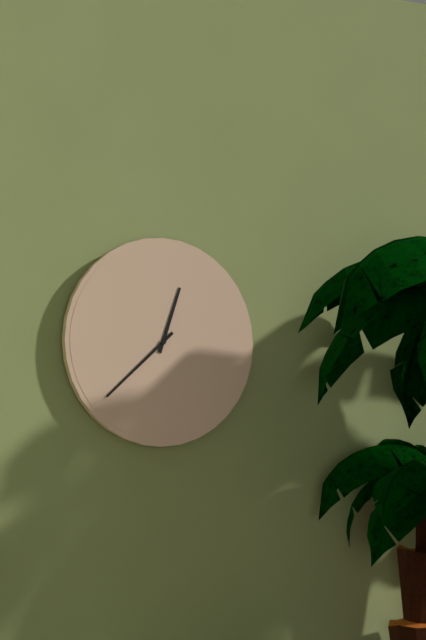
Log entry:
**12:38**
